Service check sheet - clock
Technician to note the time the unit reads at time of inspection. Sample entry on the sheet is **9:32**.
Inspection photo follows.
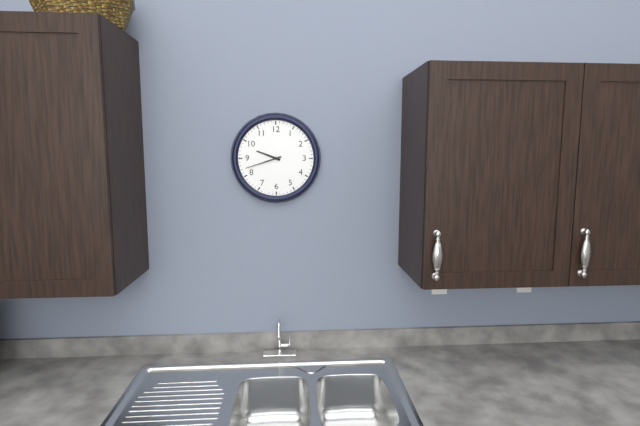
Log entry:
**9:42**
